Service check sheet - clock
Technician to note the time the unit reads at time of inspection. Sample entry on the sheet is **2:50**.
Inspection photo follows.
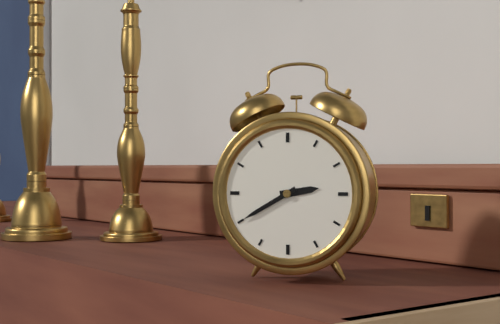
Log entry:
**2:40**
